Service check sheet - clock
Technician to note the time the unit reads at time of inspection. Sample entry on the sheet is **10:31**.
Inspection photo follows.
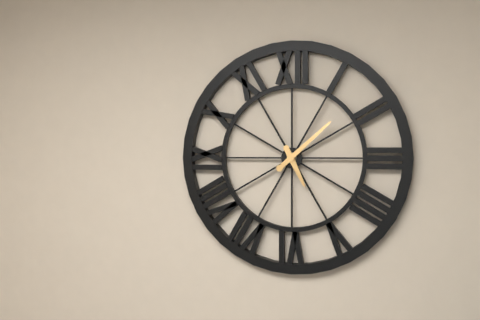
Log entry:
**5:08**
